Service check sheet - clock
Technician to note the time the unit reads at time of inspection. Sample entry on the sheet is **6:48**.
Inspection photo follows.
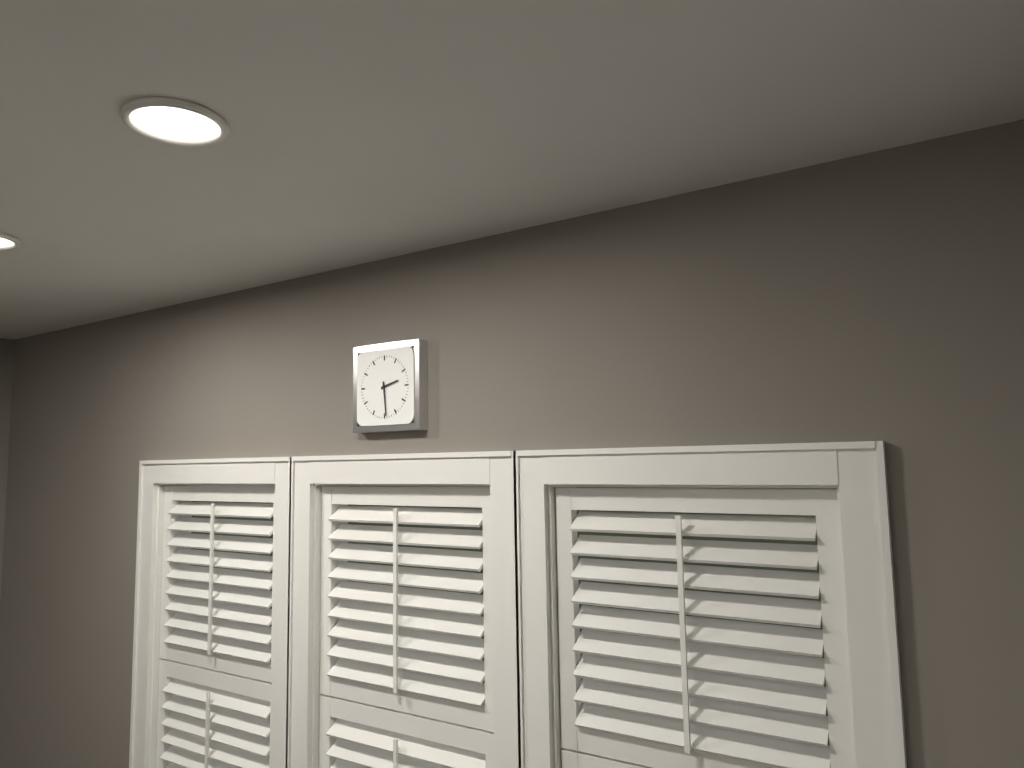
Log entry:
**2:29**
